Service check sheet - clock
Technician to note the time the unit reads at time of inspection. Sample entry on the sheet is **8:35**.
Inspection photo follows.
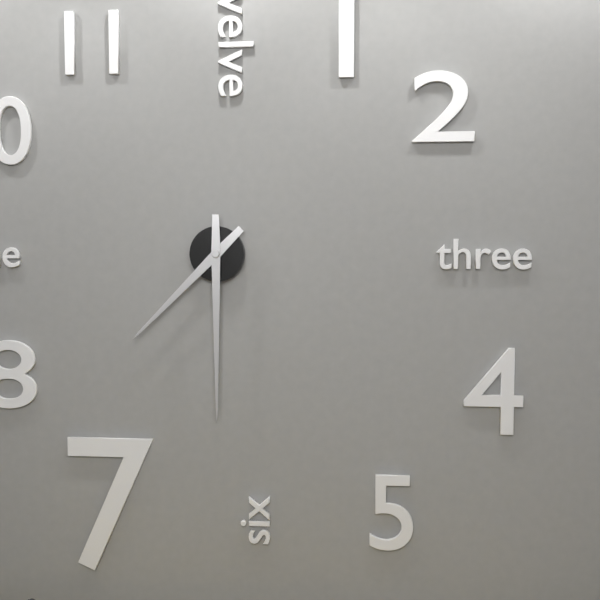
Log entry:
**7:30**
